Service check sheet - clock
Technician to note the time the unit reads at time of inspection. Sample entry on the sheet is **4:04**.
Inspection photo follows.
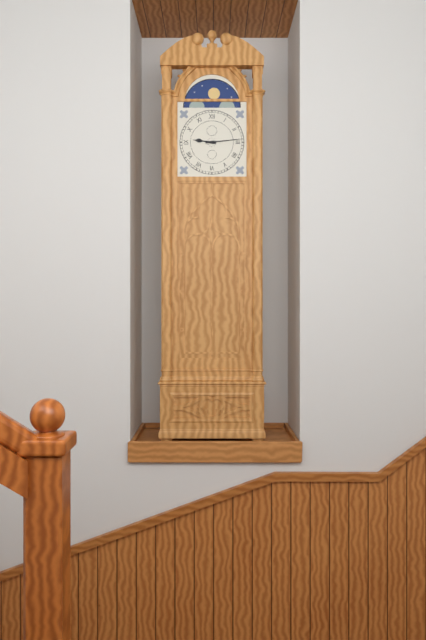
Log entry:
**9:14**
